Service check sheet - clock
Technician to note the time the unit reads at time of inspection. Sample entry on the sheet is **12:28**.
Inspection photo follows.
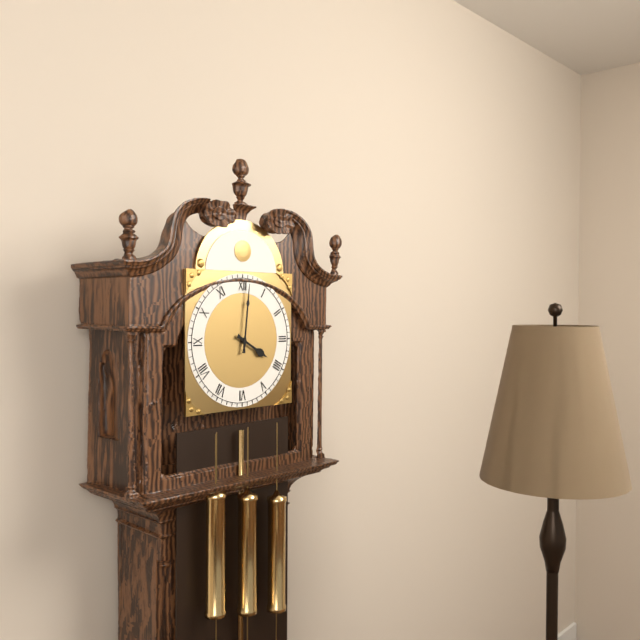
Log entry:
**4:01**
